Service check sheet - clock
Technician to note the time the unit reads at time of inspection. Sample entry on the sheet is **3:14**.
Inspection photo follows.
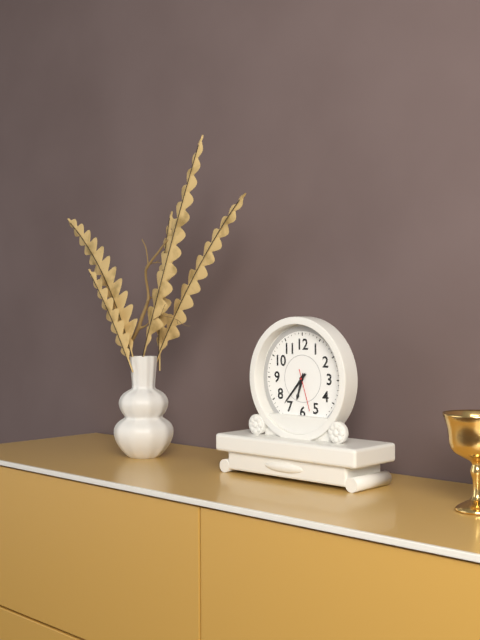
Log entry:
**6:37**
